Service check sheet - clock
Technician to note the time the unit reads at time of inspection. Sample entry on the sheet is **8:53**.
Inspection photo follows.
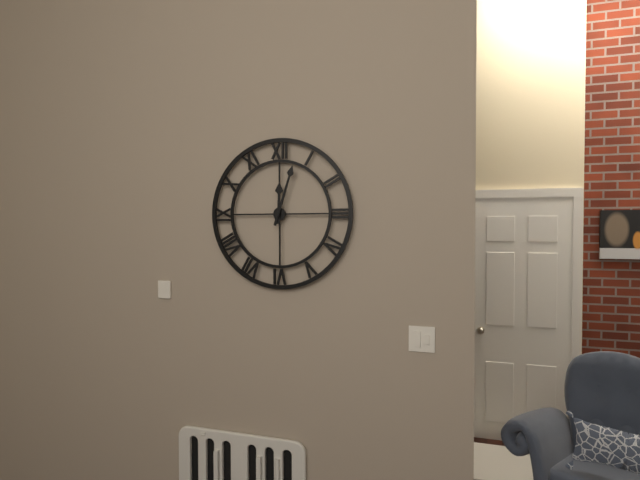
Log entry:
**12:03**
